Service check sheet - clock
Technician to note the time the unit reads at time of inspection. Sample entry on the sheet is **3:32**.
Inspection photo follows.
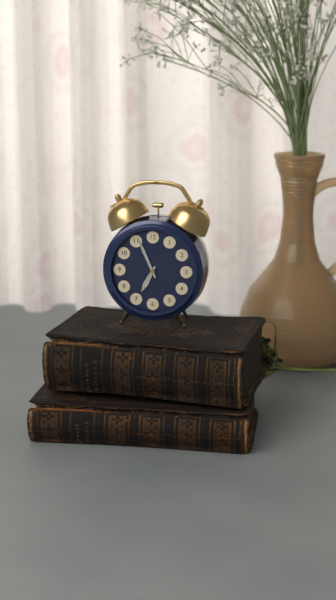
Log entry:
**6:56**
